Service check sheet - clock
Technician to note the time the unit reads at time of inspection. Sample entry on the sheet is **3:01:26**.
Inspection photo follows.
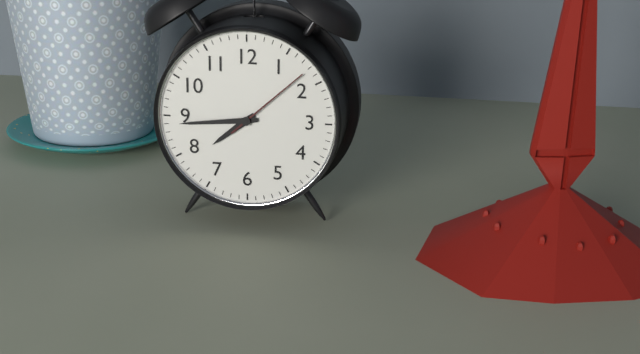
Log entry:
**7:44:08**
